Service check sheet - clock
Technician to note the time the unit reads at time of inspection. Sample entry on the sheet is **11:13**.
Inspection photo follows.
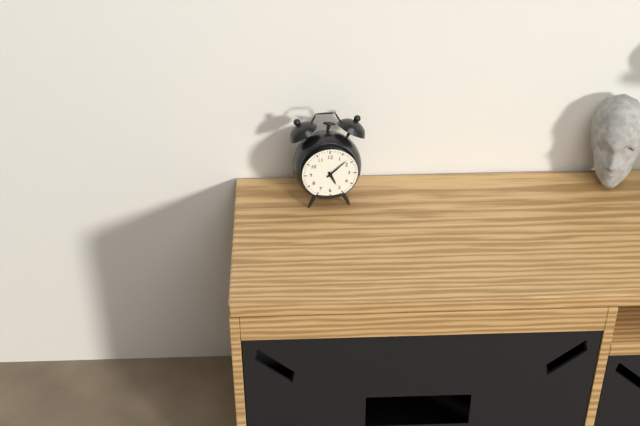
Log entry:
**5:08**
